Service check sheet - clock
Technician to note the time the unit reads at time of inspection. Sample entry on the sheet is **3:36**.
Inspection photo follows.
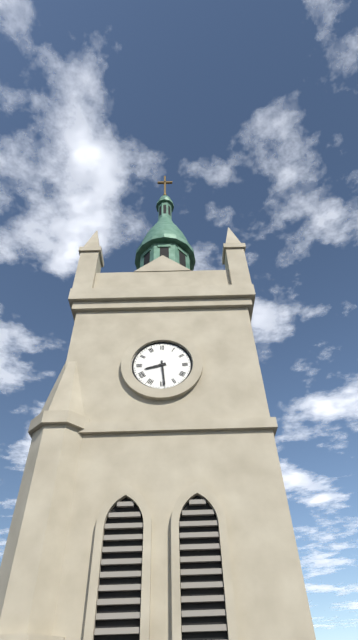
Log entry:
**8:29**
